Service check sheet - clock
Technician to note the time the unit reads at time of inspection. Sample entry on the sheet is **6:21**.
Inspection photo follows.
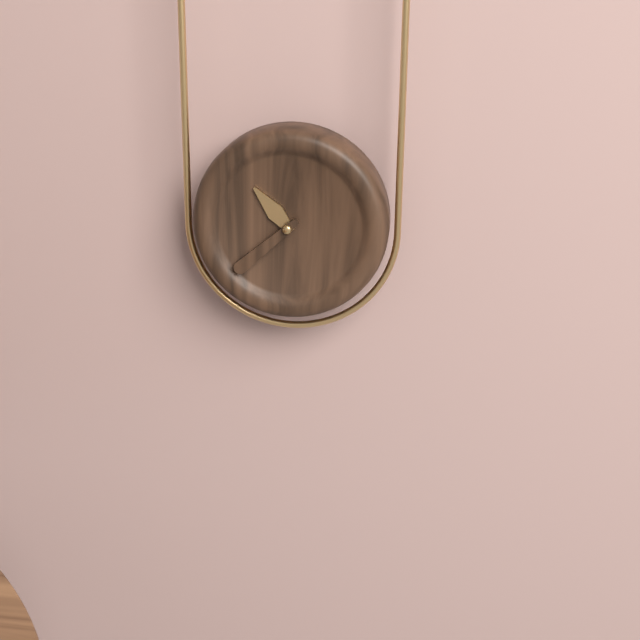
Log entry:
**10:38**
